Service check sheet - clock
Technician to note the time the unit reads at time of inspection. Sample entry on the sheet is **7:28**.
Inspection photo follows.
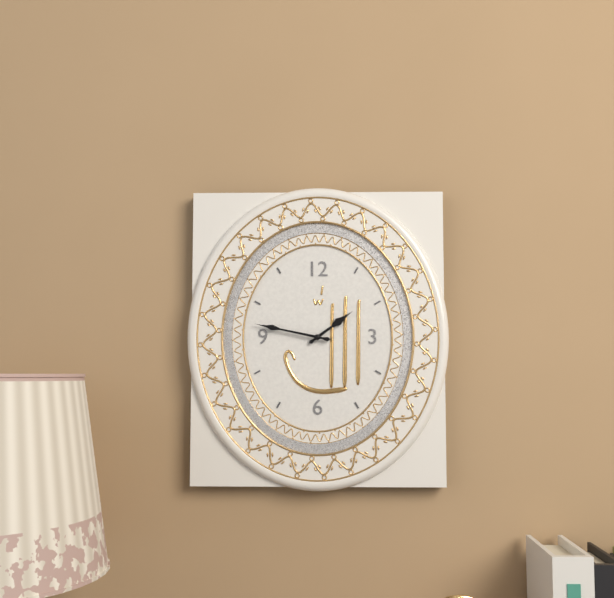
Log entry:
**1:47**
